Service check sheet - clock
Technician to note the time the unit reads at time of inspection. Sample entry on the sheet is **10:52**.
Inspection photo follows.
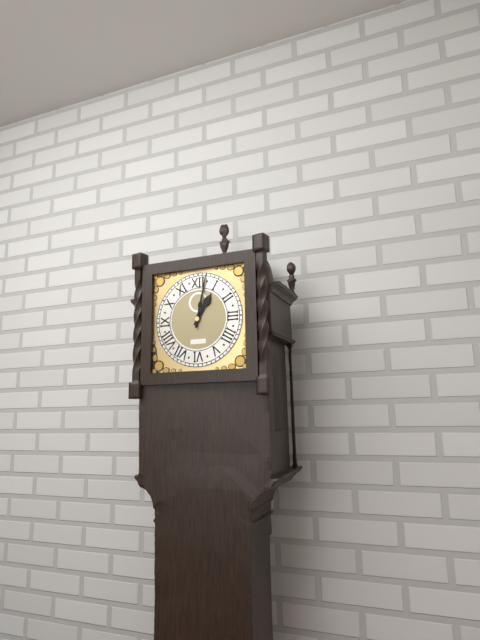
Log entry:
**1:02**
